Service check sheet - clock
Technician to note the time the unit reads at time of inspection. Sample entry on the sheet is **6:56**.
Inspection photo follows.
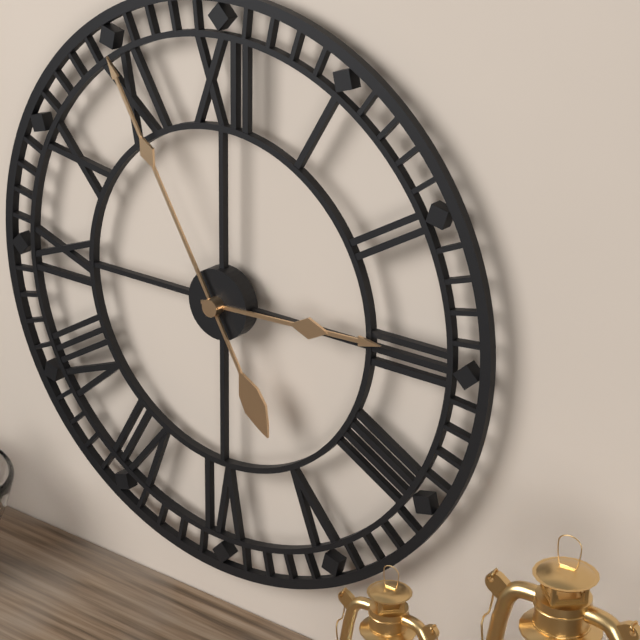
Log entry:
**2:55**
